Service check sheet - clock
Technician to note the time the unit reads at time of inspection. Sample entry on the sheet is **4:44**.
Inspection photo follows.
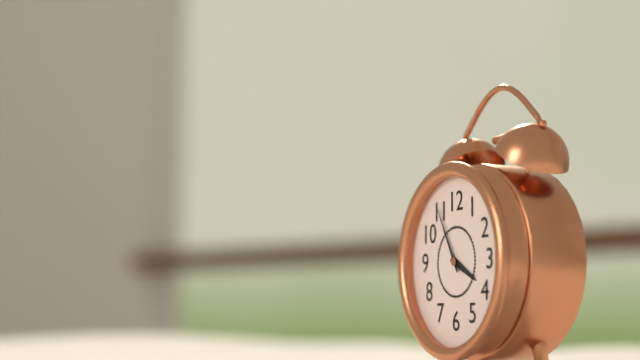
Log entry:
**3:55**
